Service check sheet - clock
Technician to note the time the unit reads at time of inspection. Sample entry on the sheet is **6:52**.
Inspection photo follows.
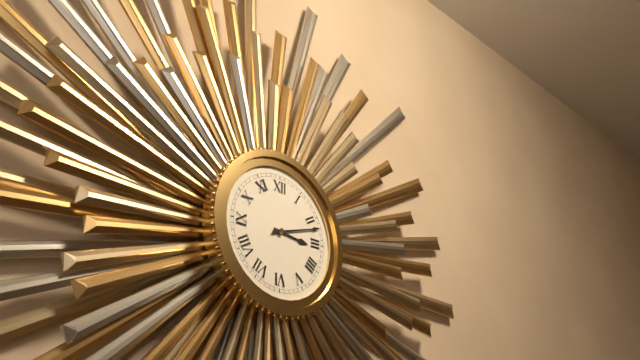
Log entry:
**3:12**
